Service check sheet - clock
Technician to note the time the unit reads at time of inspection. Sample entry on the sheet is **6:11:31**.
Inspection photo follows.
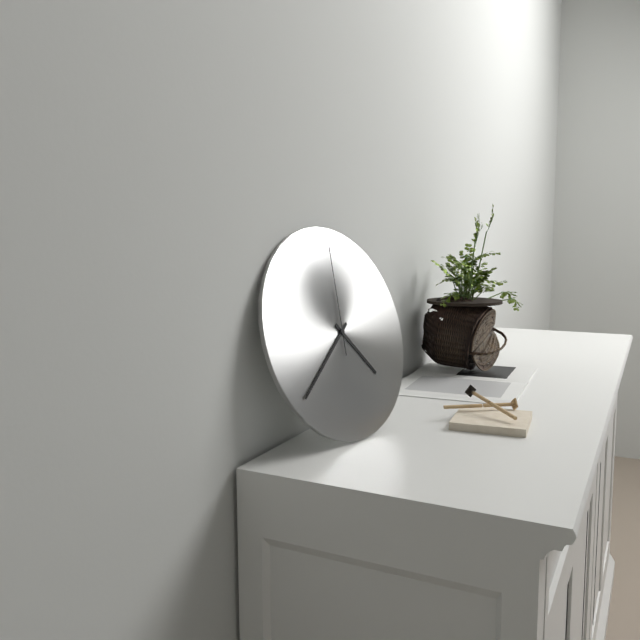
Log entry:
**4:39:01**
